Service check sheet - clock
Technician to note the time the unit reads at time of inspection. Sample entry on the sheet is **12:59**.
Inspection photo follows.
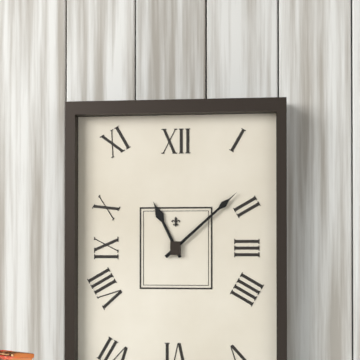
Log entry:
**11:08**
